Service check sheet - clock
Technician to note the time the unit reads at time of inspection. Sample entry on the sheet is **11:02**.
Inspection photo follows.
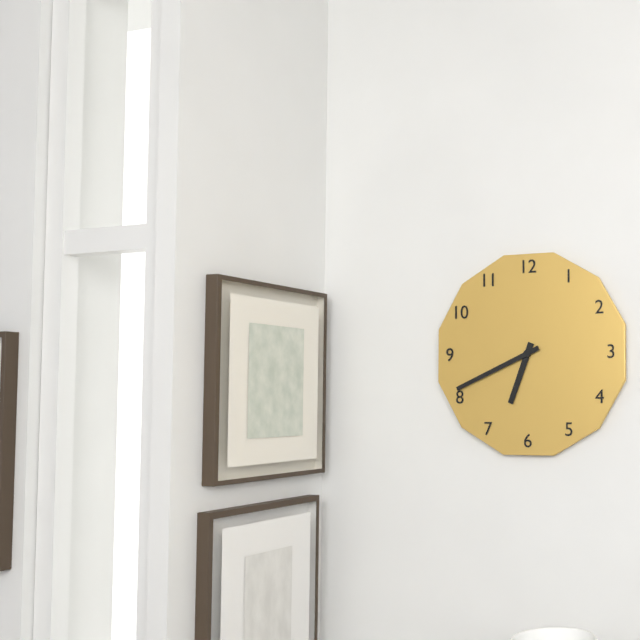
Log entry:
**6:41**
